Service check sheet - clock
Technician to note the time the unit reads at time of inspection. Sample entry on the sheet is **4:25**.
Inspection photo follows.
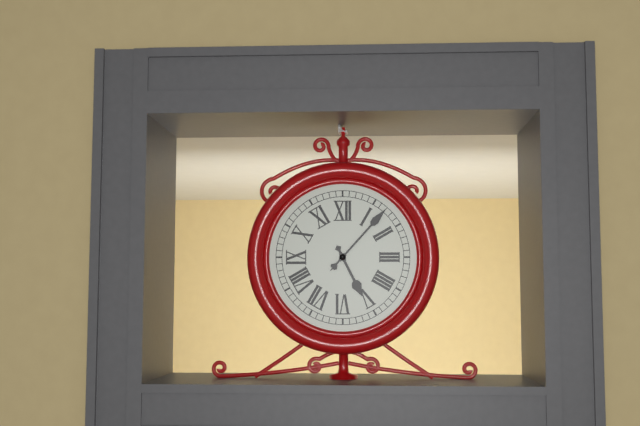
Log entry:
**5:07**
